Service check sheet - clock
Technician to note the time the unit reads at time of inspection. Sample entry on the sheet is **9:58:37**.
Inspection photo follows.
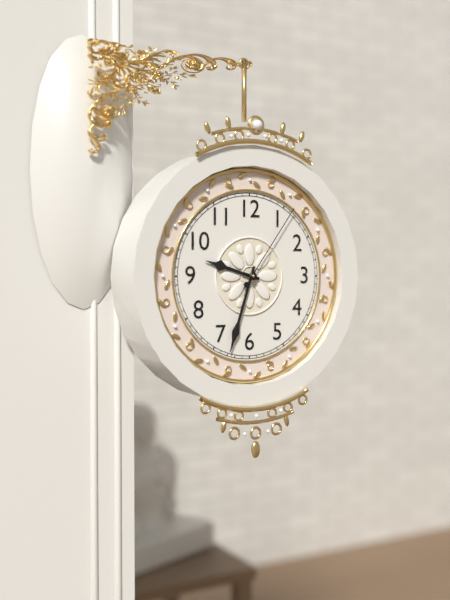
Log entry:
**9:33:06**
